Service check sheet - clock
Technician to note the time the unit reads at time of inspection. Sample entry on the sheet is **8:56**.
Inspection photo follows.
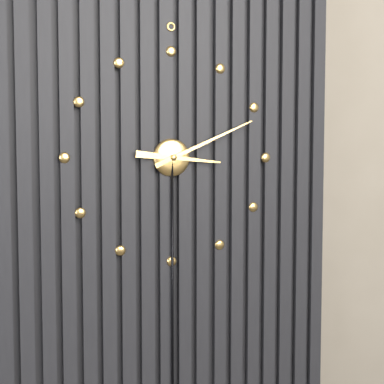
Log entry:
**3:11**
